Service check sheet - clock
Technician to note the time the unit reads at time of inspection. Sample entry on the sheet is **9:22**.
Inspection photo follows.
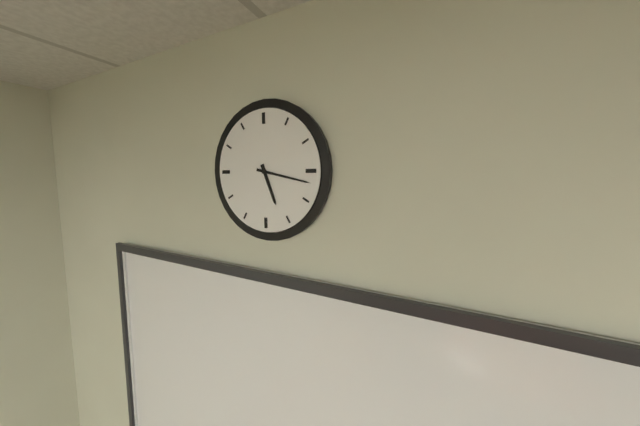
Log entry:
**5:17**
